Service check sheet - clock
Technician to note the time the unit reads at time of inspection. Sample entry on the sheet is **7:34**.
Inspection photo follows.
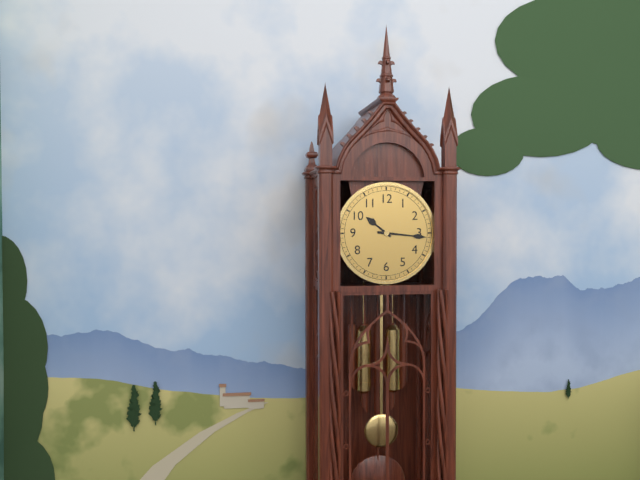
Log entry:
**10:16**
